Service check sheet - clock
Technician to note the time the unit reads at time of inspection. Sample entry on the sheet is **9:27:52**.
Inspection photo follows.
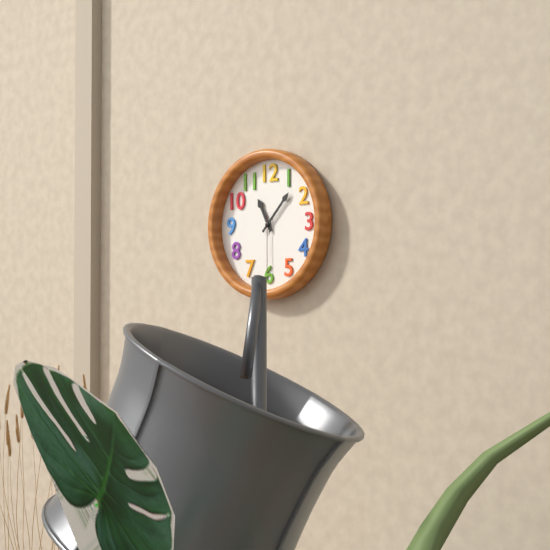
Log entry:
**11:07:30**
